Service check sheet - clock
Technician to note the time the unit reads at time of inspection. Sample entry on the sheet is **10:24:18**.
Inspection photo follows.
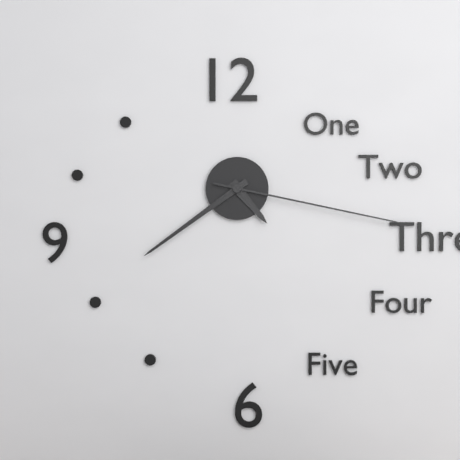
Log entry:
**4:39:17**
